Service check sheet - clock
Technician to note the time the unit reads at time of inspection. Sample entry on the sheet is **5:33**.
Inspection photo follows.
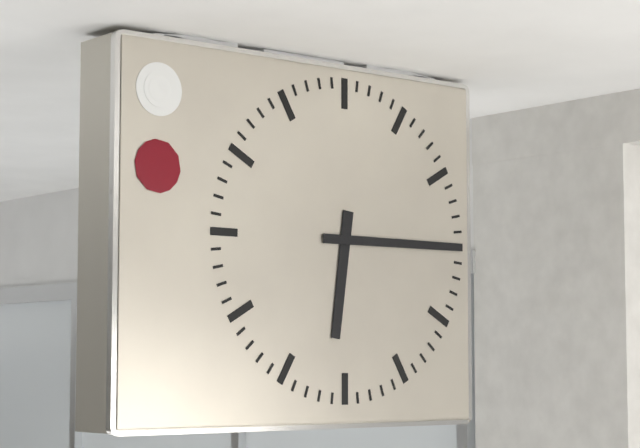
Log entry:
**6:15**
